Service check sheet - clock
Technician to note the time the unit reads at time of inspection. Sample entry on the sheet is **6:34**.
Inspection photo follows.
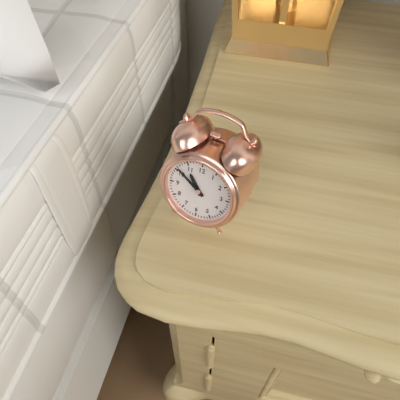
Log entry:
**10:51**
